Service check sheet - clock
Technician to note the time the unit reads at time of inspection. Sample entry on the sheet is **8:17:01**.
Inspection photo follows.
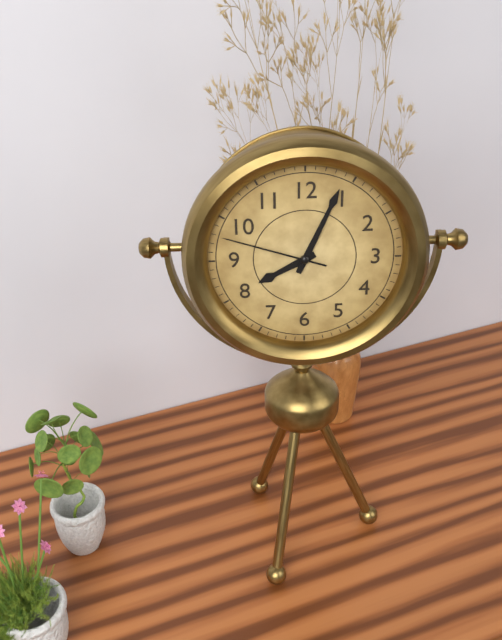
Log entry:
**8:04:48**
